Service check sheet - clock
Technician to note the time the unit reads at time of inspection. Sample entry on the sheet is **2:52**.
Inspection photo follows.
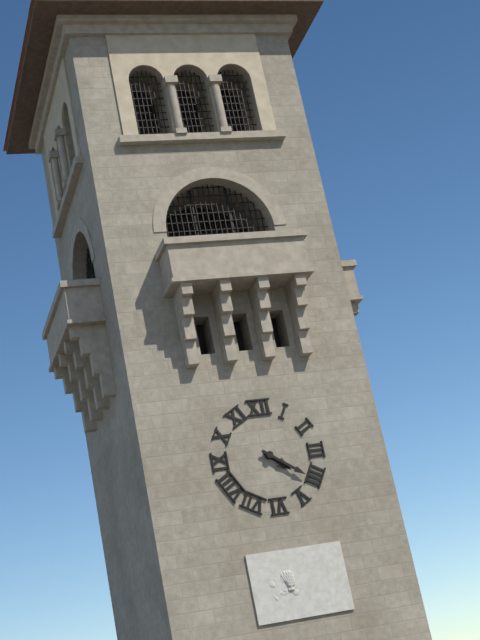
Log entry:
**4:21**
